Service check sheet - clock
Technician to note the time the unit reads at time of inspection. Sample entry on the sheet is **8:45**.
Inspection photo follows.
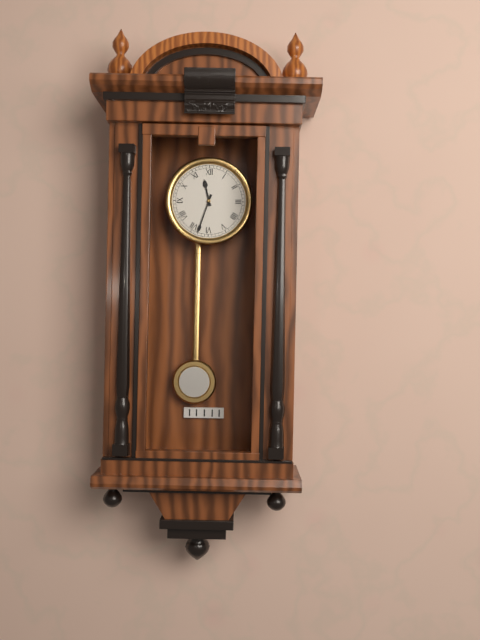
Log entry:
**11:33**
